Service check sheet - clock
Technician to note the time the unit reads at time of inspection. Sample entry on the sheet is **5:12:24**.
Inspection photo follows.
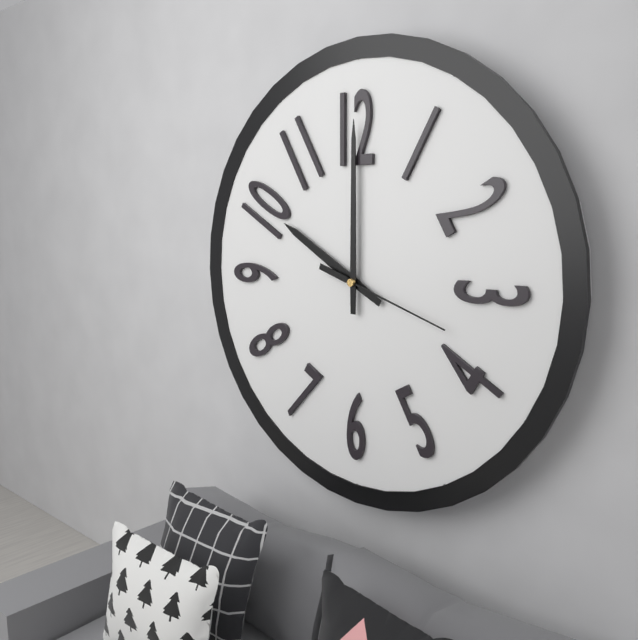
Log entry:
**10:00:18**
